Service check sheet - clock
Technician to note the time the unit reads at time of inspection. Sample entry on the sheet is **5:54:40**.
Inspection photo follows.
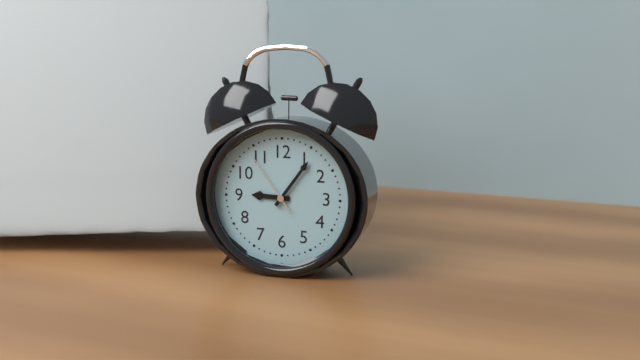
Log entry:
**9:06:54**
